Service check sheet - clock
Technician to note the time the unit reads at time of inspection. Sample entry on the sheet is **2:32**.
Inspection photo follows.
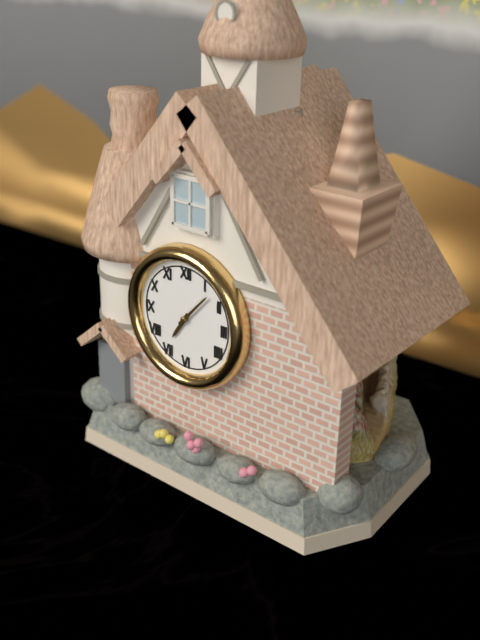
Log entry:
**7:07**
